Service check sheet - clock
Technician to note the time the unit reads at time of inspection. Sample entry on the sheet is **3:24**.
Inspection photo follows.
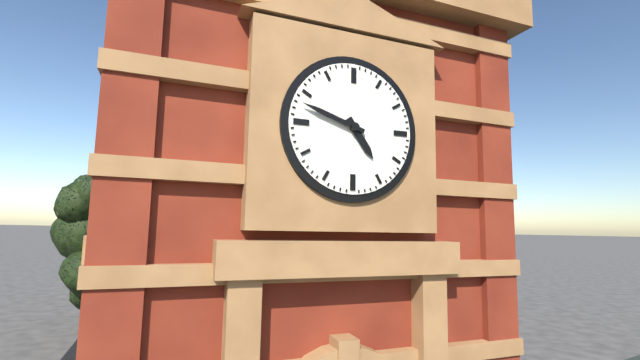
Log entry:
**4:48**
